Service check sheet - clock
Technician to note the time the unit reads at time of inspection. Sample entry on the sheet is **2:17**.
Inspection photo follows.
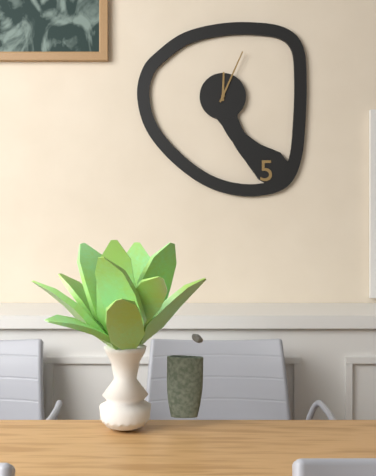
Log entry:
**12:04**
